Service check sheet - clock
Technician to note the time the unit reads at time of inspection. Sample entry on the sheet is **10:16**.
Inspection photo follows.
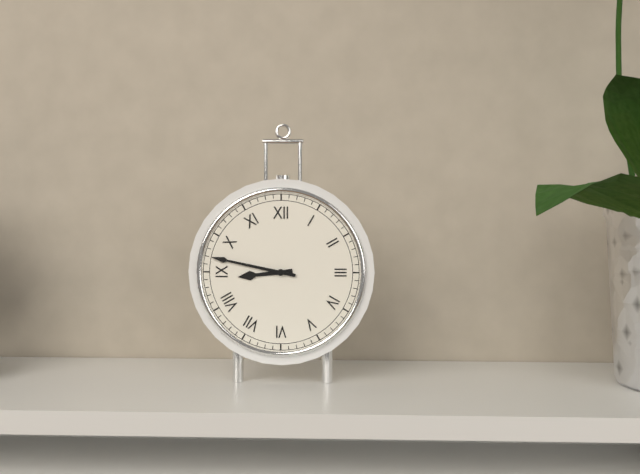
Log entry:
**8:47**
